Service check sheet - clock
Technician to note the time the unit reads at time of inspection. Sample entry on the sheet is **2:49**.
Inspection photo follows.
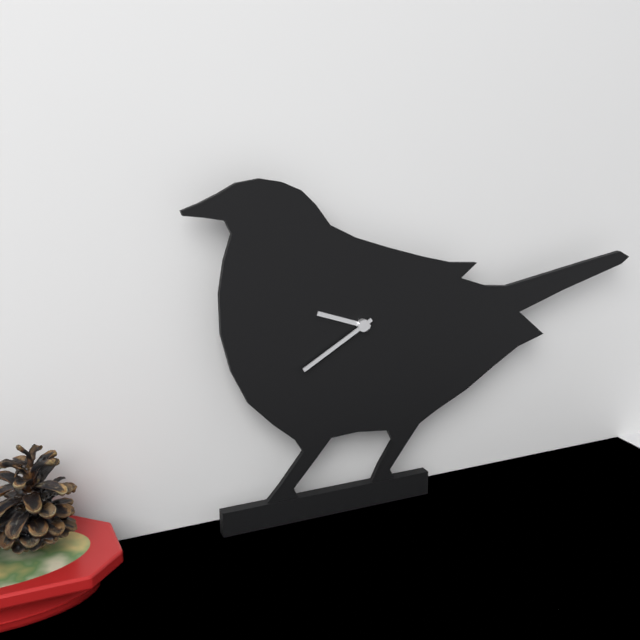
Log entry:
**9:40**
